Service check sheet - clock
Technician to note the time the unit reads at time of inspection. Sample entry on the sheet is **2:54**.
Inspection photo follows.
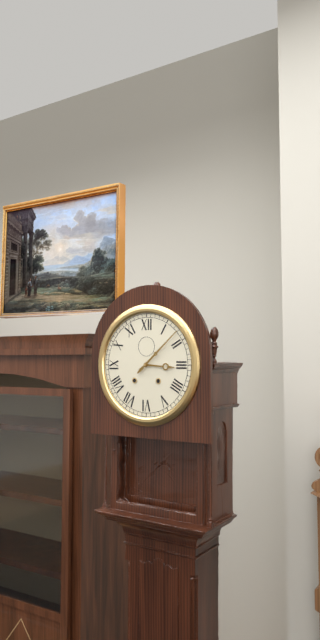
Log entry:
**3:08**
